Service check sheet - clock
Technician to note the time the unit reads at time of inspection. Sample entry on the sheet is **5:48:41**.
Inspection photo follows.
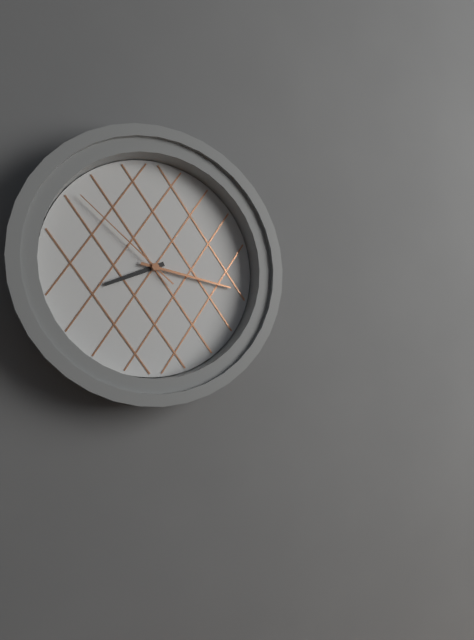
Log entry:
**8:17:52**
